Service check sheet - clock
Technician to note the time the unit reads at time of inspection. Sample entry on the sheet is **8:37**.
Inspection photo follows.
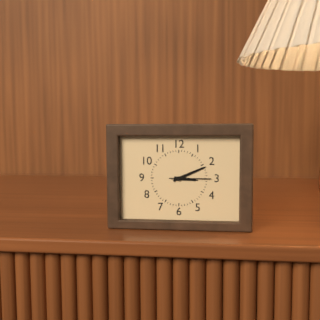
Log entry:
**3:11**
